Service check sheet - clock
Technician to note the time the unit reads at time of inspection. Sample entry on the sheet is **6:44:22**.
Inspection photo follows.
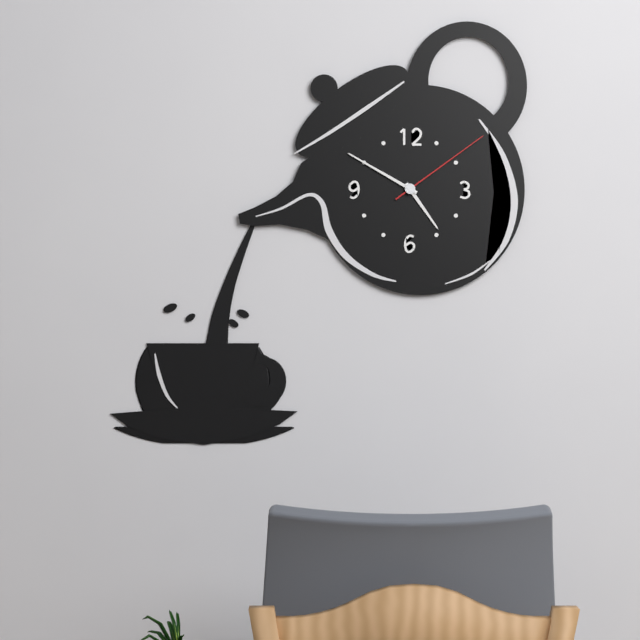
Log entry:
**4:50:09**
